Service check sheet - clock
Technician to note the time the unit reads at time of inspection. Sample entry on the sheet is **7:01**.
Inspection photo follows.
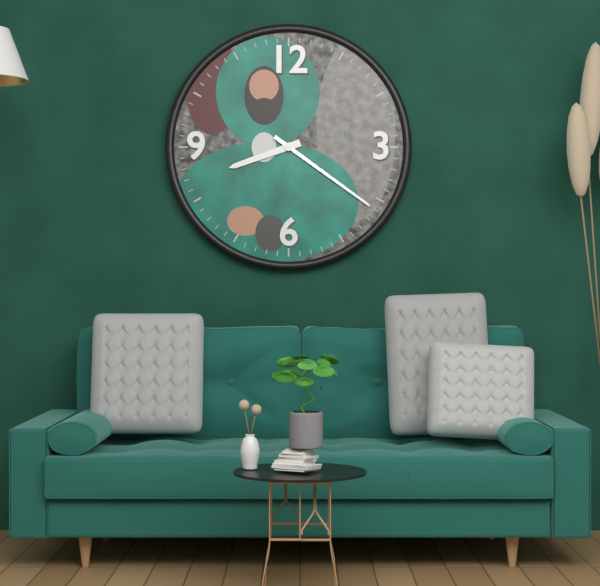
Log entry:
**8:21**
